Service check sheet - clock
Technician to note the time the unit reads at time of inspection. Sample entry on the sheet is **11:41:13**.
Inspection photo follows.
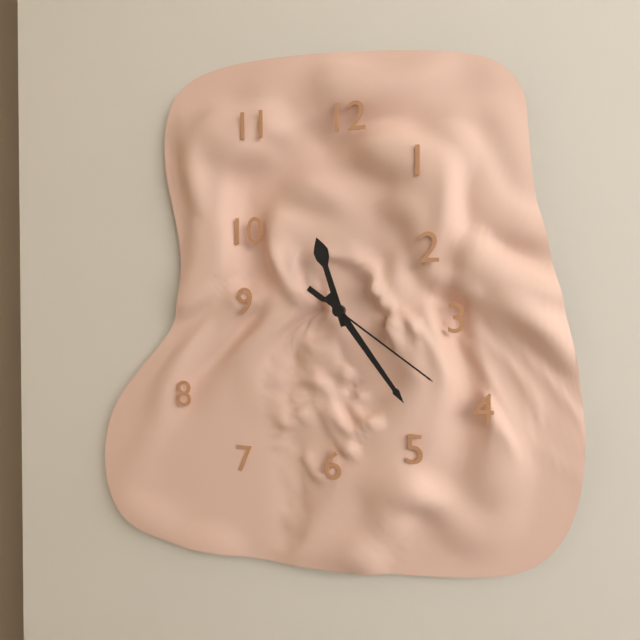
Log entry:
**11:24:21**
